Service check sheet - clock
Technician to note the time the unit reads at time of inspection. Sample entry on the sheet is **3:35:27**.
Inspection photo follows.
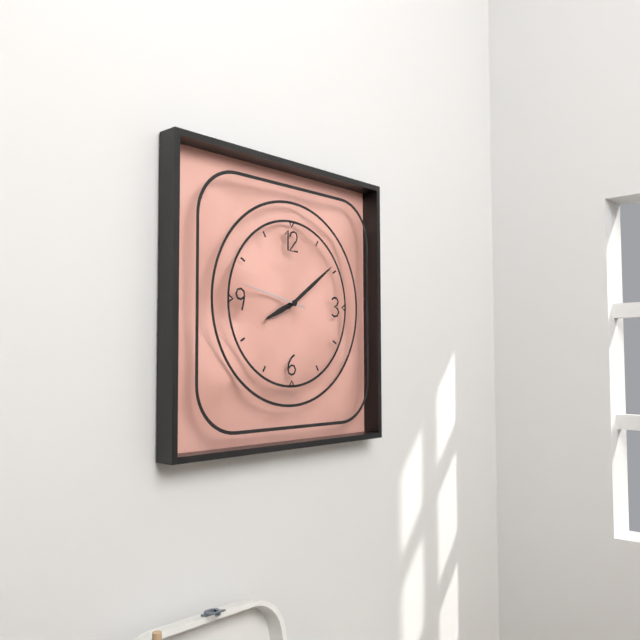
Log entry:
**8:09:47**
